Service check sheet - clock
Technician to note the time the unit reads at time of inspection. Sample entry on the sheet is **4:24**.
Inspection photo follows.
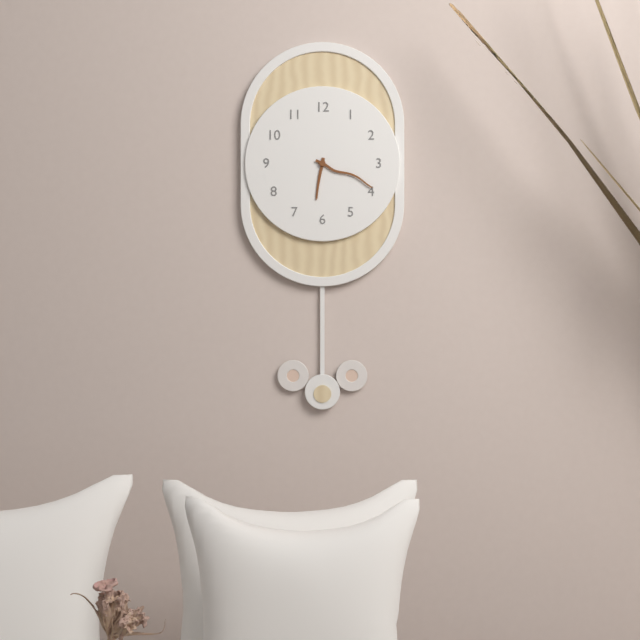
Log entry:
**6:19**
